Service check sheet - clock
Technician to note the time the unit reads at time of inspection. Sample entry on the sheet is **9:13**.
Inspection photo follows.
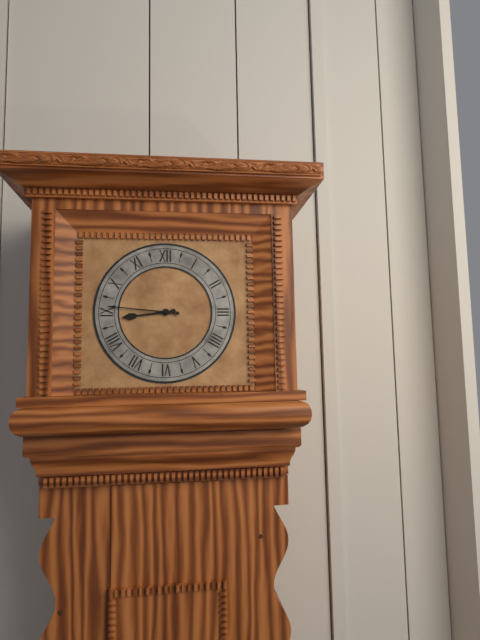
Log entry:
**8:46**
